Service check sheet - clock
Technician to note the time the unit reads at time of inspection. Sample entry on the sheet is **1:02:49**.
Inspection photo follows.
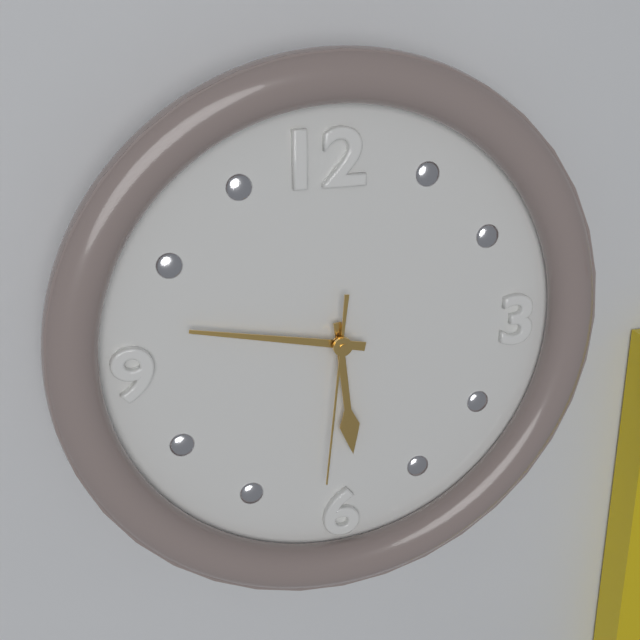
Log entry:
**5:47:31**
